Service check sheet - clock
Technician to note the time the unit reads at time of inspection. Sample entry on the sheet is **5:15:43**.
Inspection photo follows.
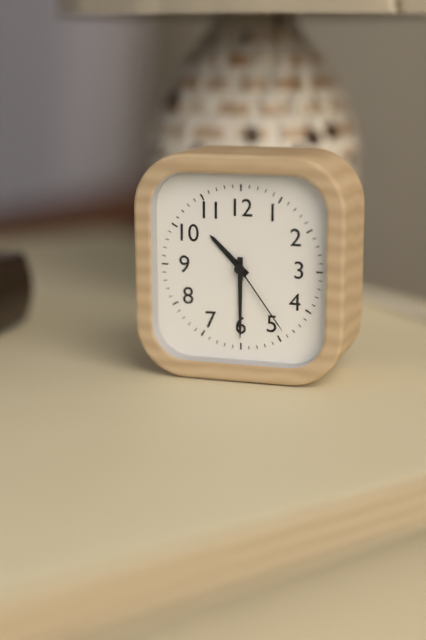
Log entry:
**10:30:24**
